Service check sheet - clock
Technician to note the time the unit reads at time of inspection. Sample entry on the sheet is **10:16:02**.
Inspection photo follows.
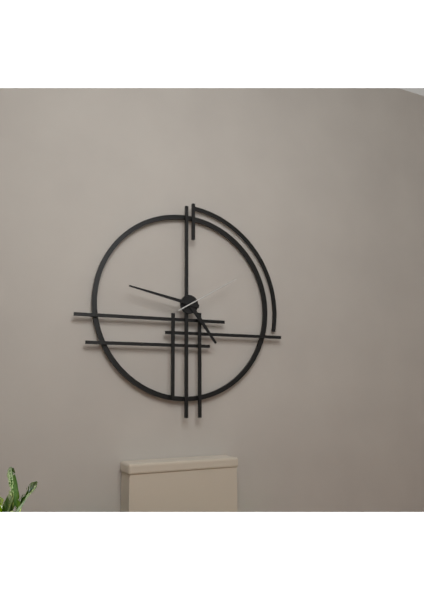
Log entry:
**4:47:10**
